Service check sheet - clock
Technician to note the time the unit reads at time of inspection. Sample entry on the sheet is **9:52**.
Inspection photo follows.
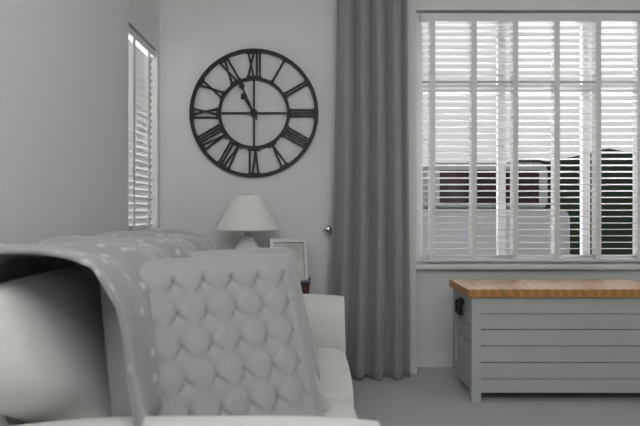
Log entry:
**10:56**
